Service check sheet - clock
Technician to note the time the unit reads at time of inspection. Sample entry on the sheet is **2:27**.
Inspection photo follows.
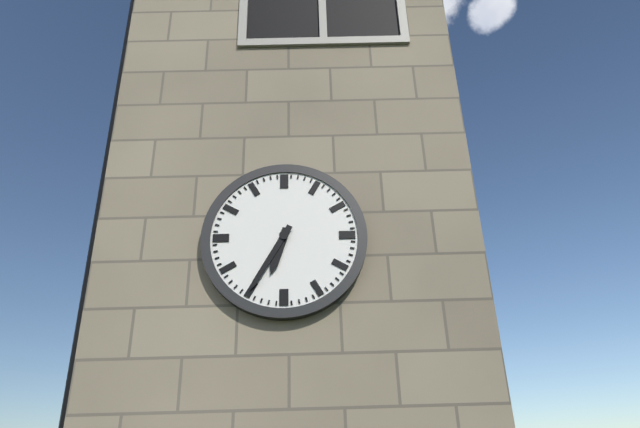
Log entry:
**6:35**
